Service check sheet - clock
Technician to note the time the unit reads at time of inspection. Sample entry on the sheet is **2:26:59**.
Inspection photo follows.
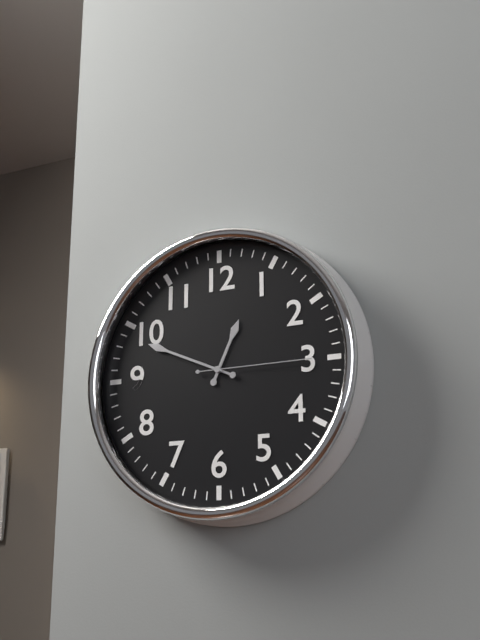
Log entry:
**12:49:15**
